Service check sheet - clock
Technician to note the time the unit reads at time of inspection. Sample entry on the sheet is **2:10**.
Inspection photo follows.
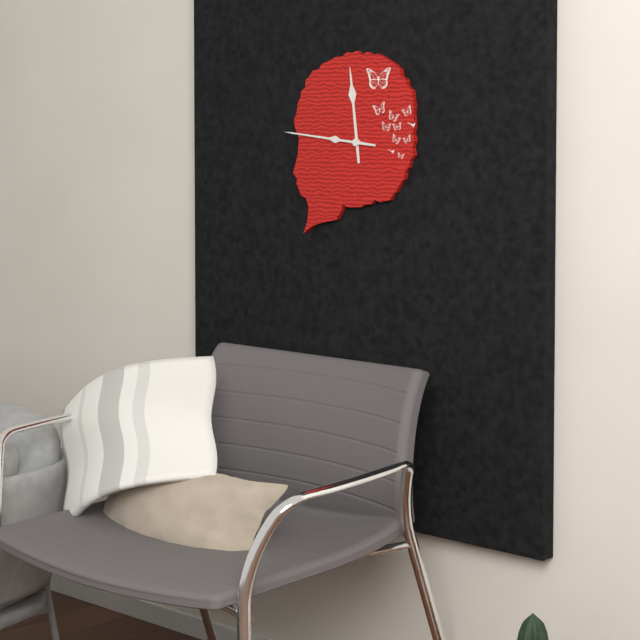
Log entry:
**11:46**
